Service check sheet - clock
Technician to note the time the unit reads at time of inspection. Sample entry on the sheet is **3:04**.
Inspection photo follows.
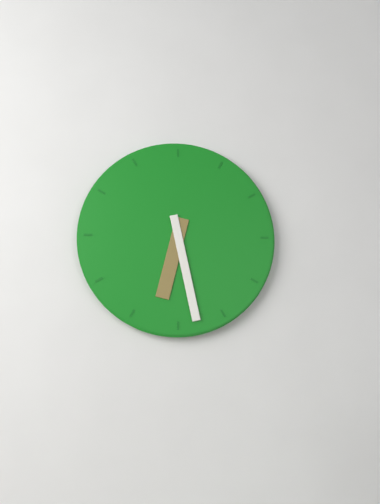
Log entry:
**6:28**
